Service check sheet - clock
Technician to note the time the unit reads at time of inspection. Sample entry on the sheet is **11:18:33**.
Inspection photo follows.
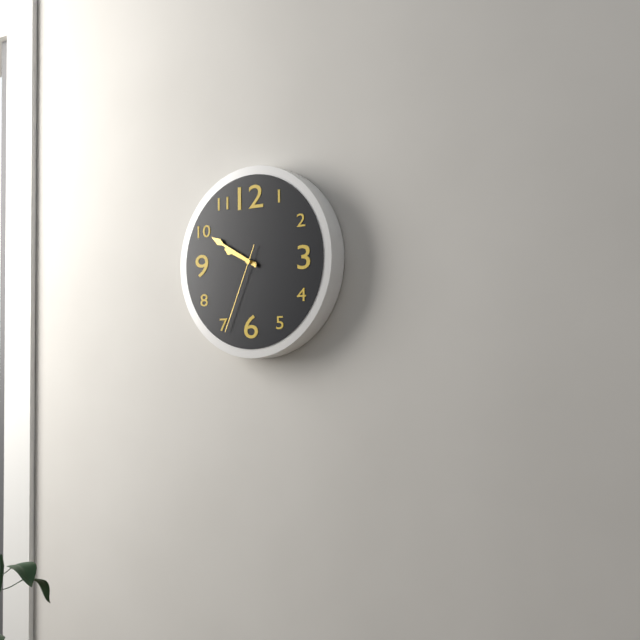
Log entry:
**9:50:34**
